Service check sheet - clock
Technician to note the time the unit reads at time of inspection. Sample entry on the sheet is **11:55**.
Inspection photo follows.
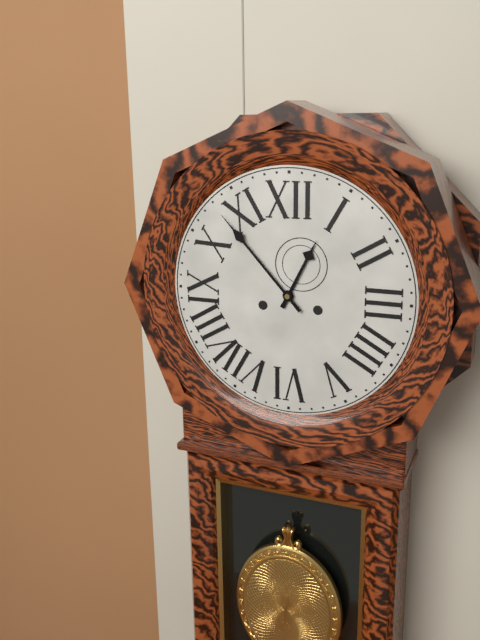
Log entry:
**12:53**
